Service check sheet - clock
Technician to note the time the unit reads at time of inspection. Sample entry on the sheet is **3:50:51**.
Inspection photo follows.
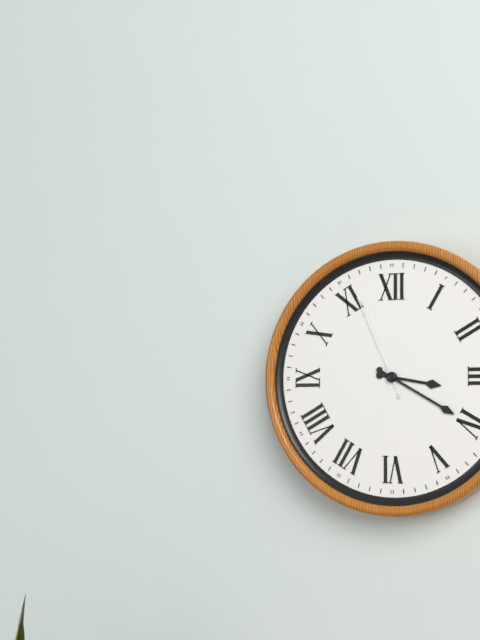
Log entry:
**3:20:56**
